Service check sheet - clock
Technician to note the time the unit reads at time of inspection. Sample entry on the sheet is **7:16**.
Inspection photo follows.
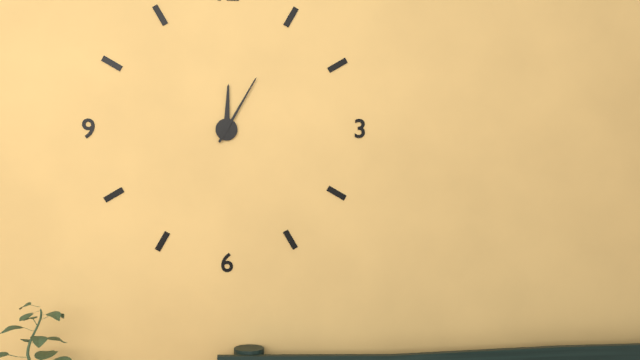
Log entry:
**12:05**
